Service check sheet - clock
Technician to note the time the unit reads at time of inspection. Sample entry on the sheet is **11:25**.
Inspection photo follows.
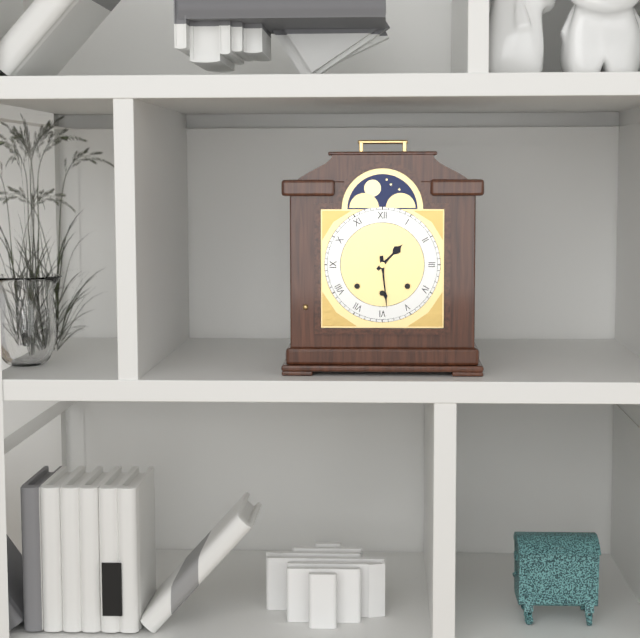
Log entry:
**1:29**
